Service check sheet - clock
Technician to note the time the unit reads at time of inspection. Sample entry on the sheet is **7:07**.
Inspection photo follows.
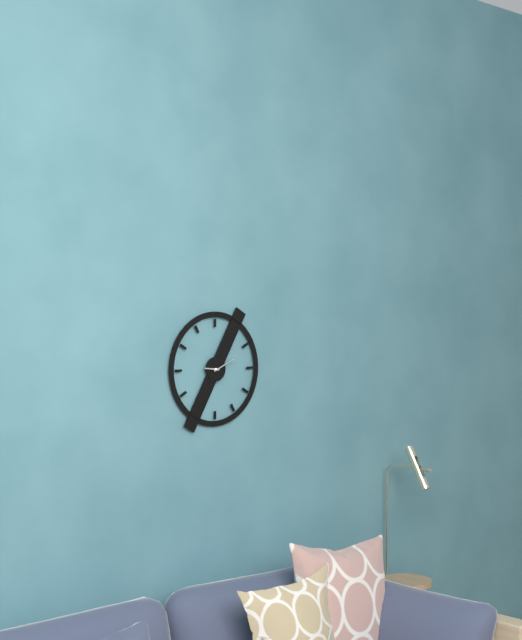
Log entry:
**9:11**
